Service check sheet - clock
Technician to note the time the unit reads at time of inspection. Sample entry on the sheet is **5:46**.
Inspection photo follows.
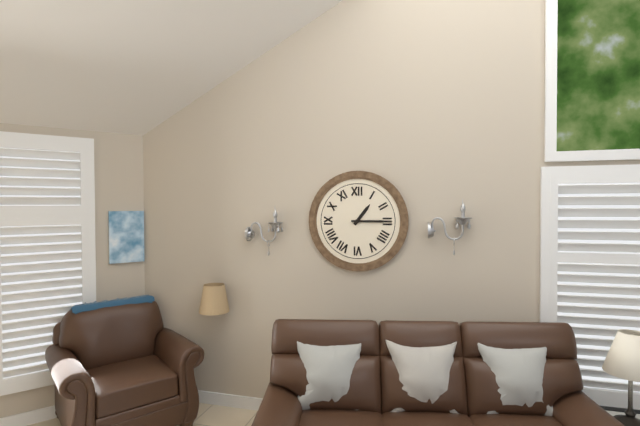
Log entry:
**1:15**
